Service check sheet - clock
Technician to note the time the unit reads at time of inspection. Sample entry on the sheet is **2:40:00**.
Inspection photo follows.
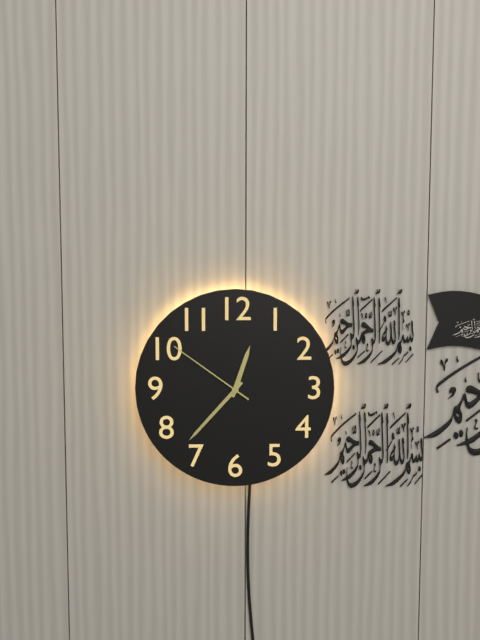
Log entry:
**12:37:51**
